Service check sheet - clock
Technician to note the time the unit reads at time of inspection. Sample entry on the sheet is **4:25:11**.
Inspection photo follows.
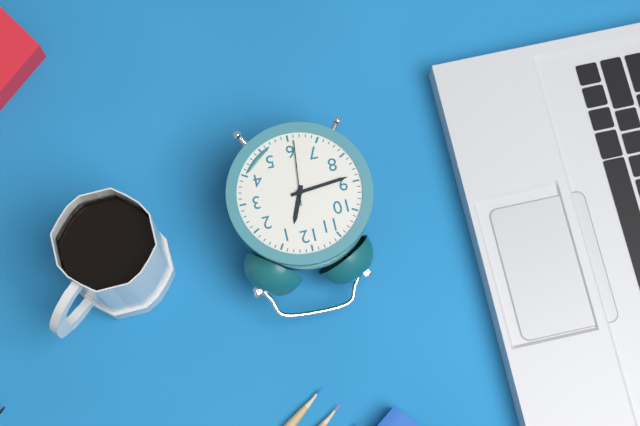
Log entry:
**12:44:31**
